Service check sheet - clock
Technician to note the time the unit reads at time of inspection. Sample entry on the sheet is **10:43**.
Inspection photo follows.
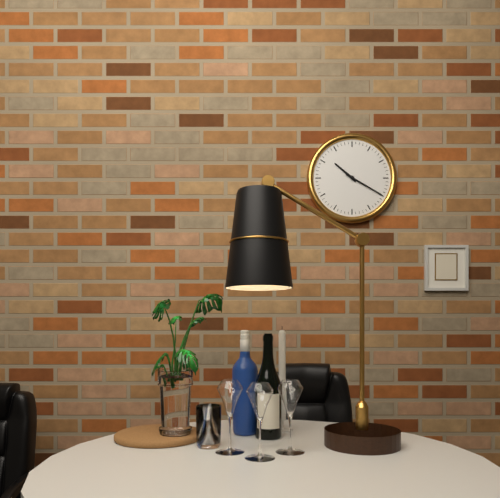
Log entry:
**10:20**
